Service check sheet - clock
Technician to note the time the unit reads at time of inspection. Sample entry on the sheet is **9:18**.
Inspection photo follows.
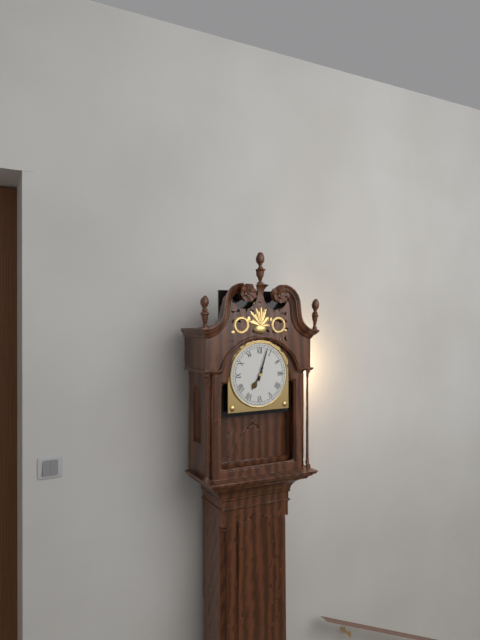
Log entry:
**7:03**
